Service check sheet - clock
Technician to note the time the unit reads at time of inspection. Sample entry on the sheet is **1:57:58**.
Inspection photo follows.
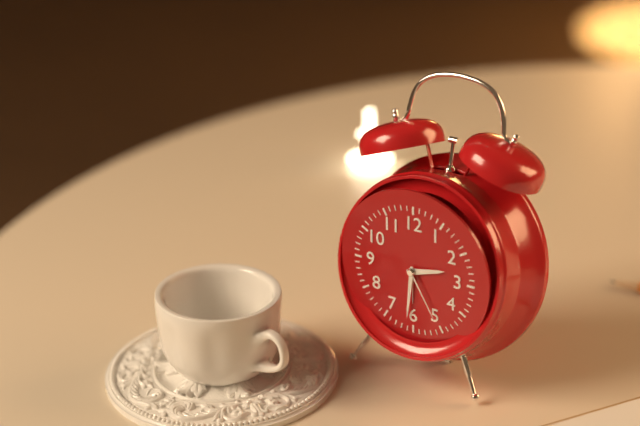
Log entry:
**2:31:25**
